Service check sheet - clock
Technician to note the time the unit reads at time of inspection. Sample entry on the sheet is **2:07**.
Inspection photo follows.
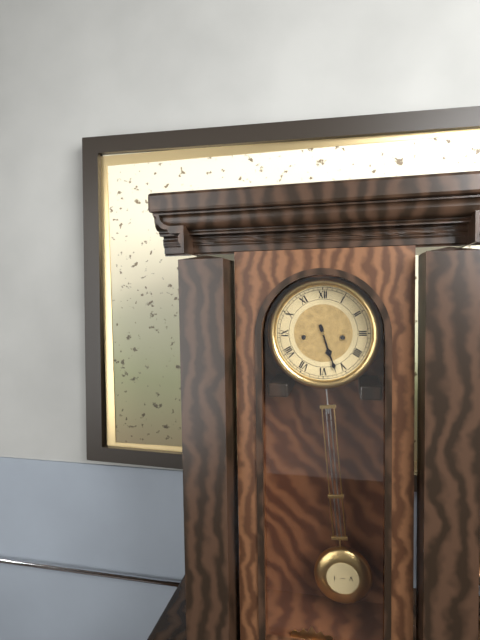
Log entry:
**5:27**
